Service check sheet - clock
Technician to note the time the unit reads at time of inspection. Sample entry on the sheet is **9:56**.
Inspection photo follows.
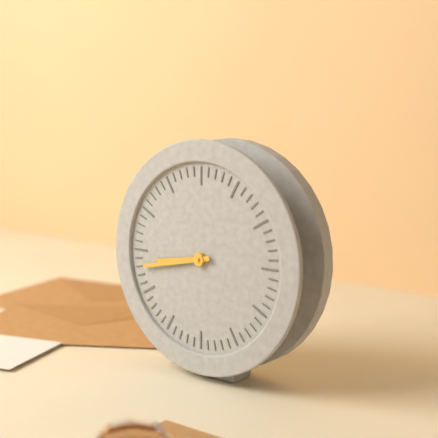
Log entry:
**8:43**
